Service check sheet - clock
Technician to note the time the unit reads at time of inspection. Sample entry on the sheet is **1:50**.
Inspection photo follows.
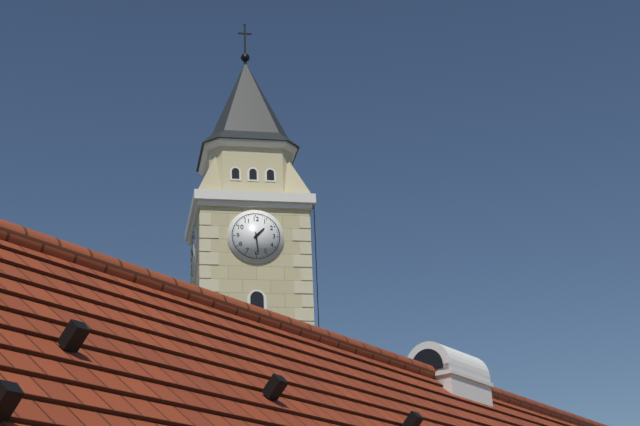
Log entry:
**1:29**
